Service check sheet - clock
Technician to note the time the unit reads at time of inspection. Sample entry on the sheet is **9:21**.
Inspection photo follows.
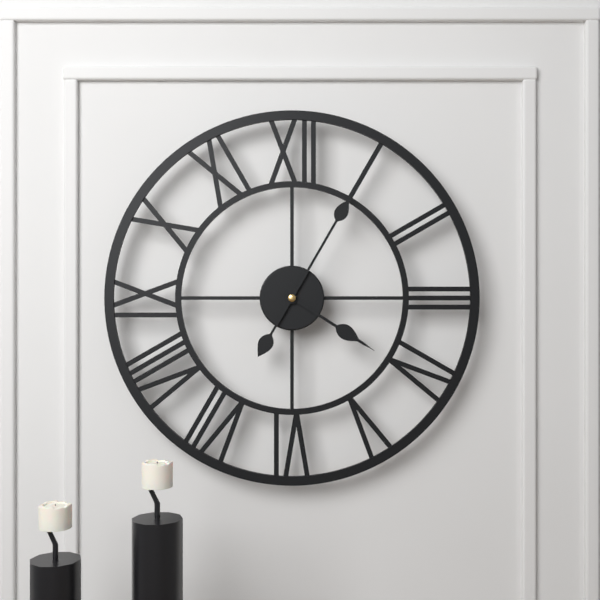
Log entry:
**4:05**
